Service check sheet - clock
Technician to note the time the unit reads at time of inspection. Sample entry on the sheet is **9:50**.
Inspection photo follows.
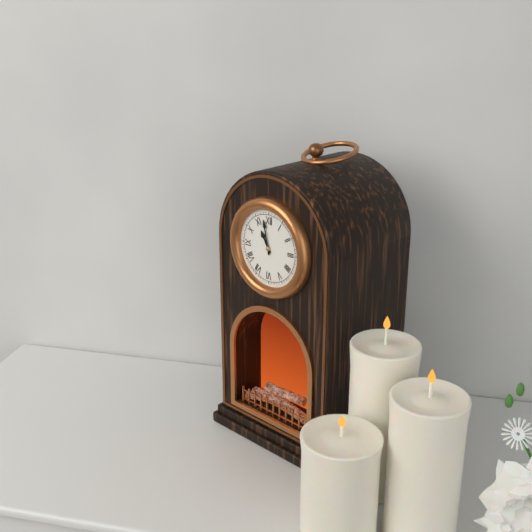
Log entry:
**10:58**
